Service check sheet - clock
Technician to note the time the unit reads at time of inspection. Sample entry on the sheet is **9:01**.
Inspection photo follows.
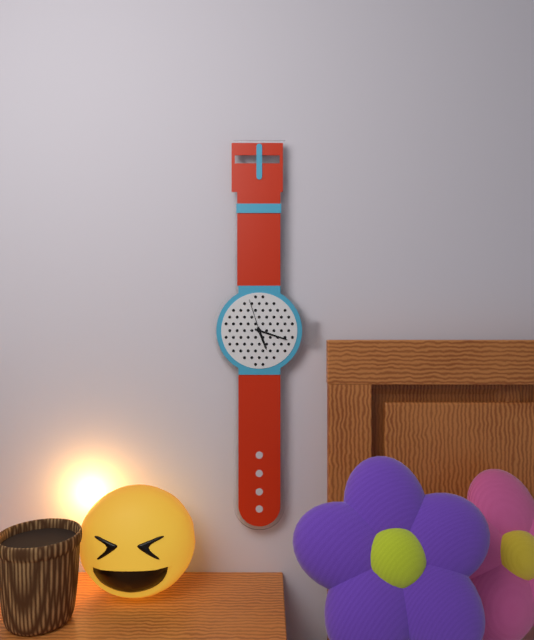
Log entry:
**5:18**
